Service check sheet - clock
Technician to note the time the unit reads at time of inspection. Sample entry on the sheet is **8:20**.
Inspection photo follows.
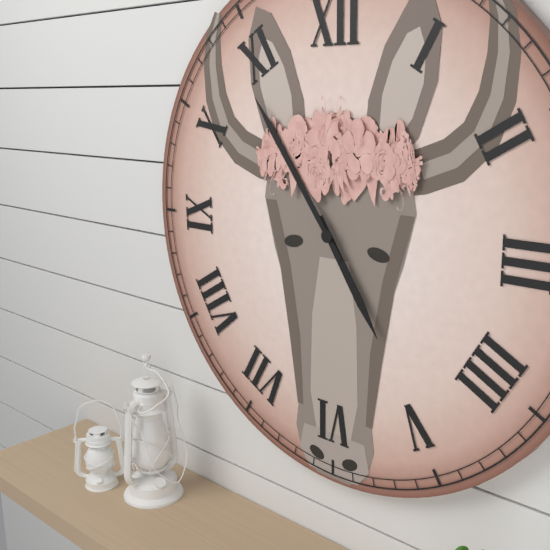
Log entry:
**4:54**
